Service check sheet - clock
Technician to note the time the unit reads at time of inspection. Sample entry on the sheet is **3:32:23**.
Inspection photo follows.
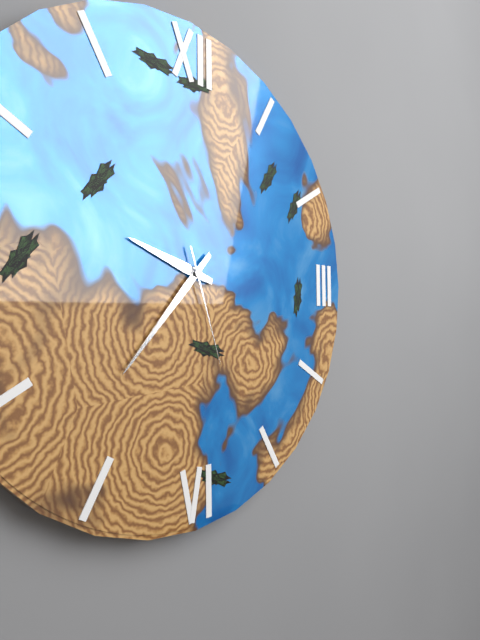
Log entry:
**9:37:27**
